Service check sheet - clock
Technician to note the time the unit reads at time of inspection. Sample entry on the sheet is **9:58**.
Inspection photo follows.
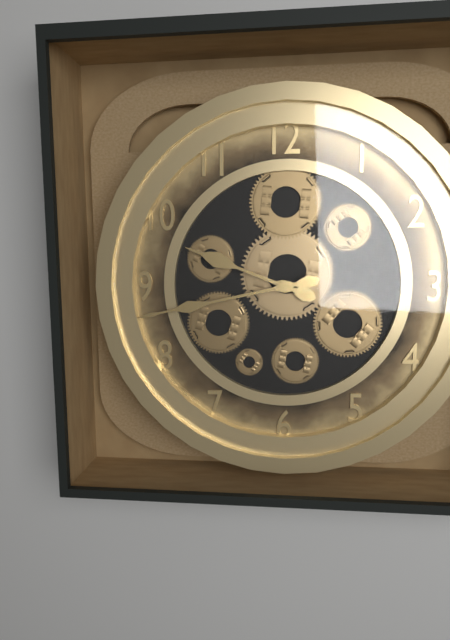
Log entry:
**9:43**
